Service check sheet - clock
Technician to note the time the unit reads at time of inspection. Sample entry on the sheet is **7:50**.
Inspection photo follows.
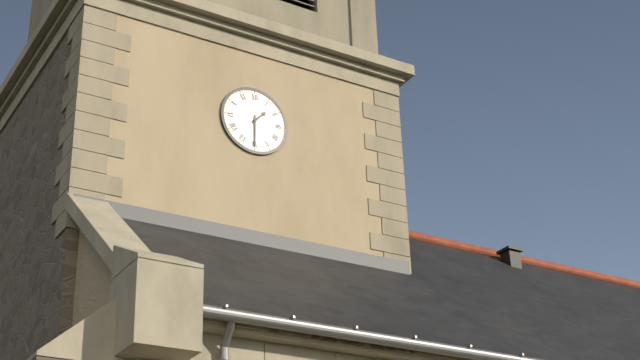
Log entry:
**1:30**
